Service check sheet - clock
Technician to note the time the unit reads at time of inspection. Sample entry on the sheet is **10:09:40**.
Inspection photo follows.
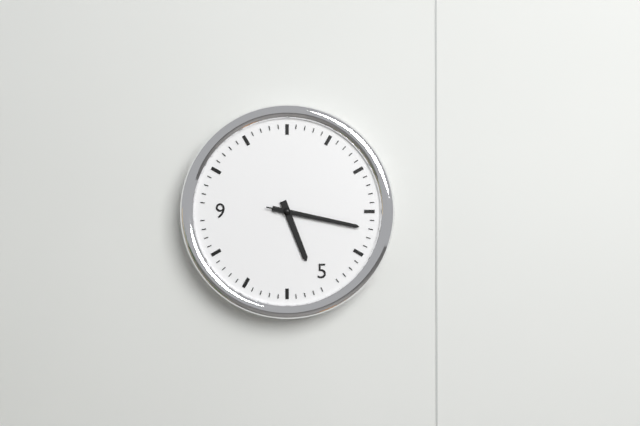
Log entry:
**5:17:17**
